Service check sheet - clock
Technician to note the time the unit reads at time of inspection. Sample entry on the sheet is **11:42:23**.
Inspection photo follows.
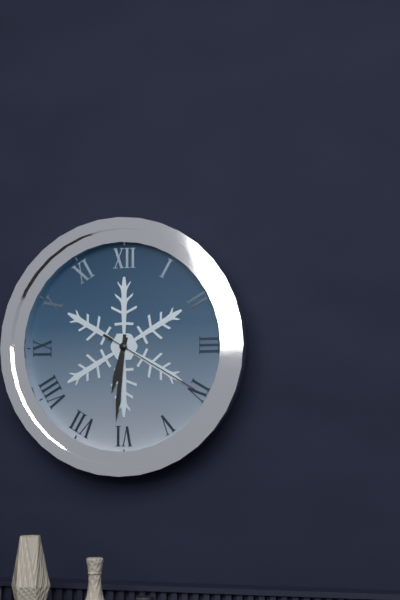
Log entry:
**6:31:20**
